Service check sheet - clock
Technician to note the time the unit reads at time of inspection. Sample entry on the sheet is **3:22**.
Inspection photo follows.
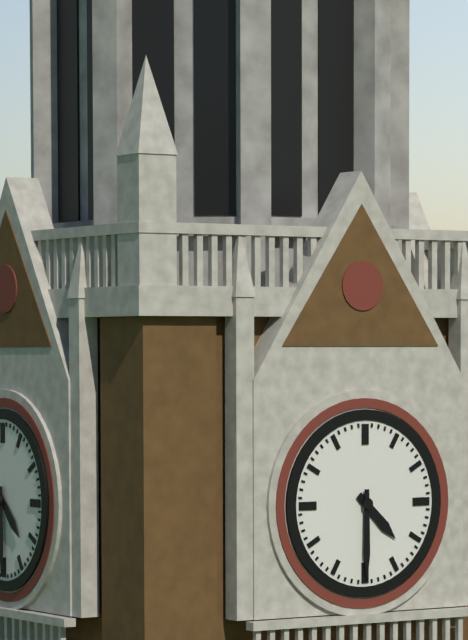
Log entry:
**4:30**
